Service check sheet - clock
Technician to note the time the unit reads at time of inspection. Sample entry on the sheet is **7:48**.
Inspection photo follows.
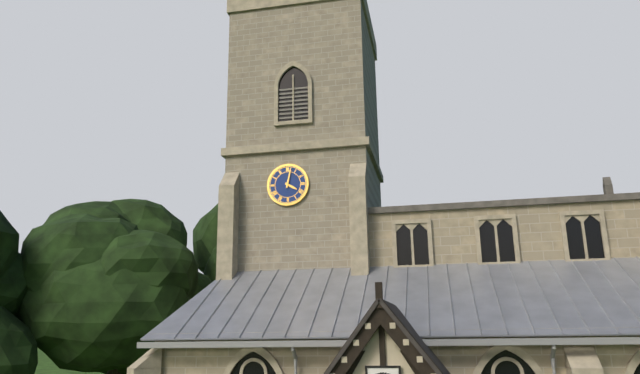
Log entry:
**4:02**
